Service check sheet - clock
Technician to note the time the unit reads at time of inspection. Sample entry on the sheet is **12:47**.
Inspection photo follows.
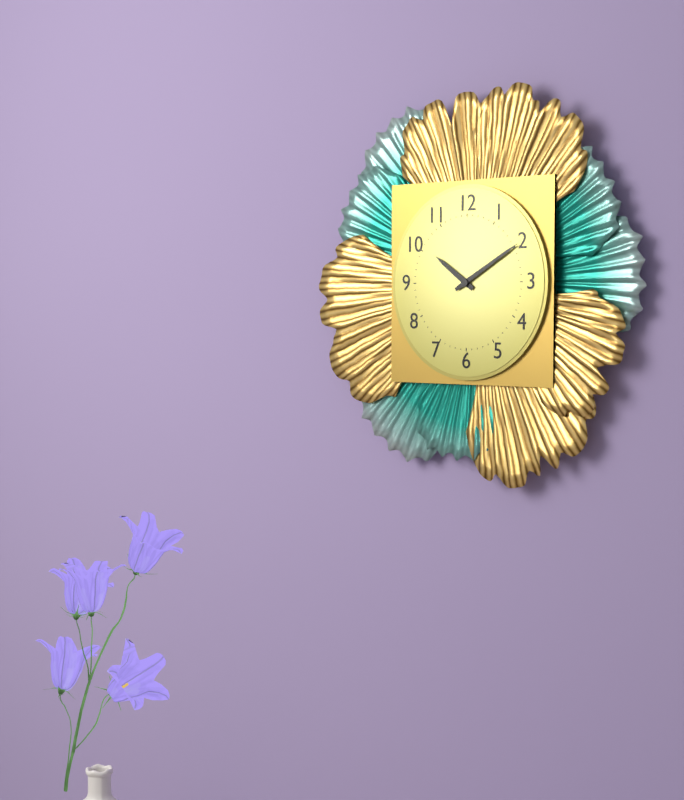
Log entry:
**10:10**
